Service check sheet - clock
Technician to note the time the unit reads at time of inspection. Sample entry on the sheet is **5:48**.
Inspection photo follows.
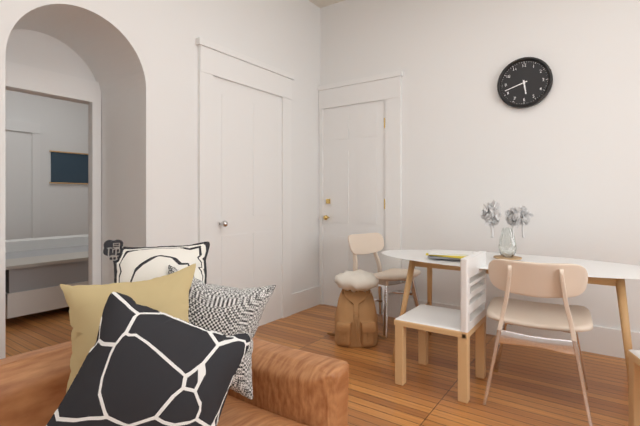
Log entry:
**5:42**
